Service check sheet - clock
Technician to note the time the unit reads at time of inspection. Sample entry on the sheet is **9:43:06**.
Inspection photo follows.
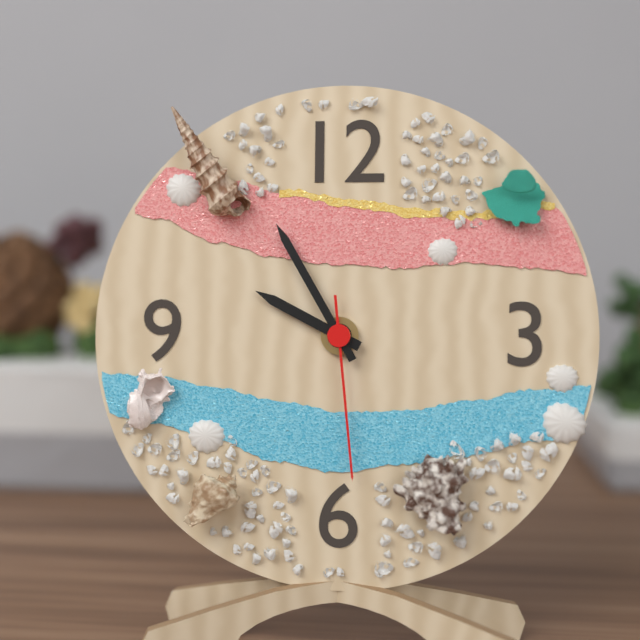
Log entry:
**9:55:29**
